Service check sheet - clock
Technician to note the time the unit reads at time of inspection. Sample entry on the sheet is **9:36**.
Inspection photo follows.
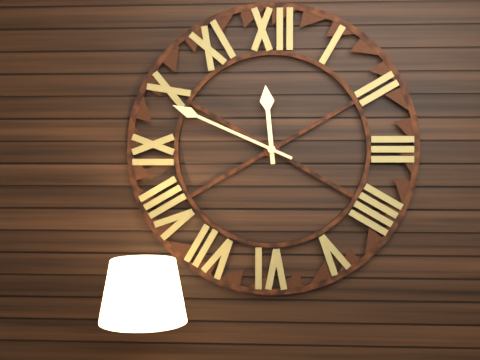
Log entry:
**11:49**
